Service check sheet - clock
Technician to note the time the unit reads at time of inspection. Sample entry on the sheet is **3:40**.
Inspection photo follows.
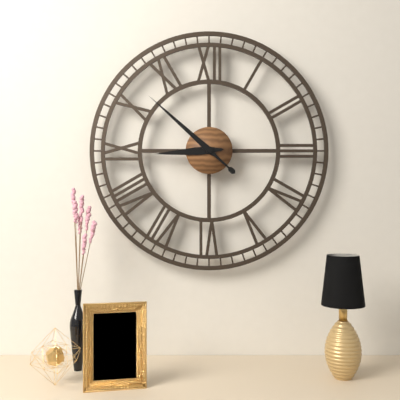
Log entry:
**8:52**
